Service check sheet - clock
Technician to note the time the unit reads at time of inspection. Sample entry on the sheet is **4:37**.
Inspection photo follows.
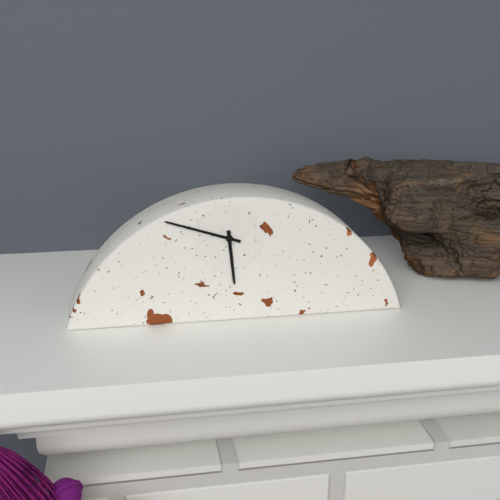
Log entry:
**5:48**
